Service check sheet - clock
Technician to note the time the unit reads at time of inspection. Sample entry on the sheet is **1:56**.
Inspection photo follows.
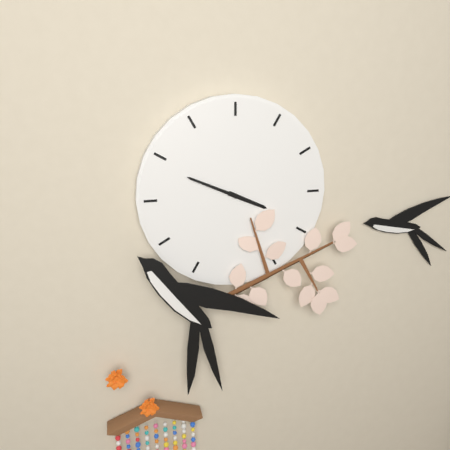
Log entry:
**3:49**
